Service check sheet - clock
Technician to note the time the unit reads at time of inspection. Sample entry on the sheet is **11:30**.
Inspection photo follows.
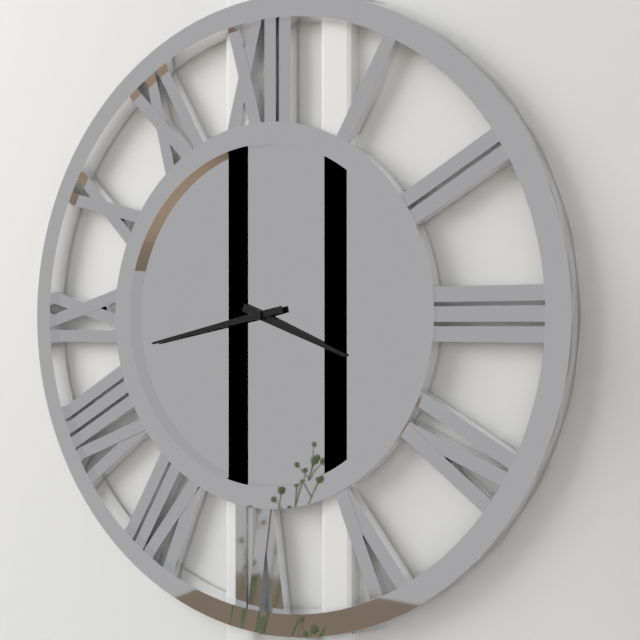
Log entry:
**3:43**
